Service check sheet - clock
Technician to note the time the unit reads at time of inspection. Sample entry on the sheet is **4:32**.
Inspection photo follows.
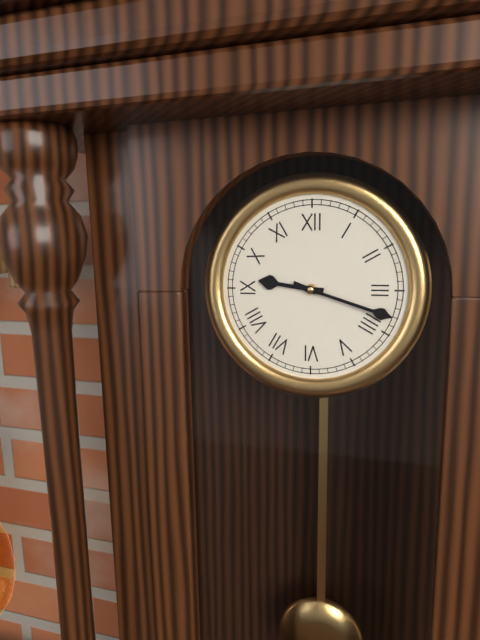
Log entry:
**9:18**
